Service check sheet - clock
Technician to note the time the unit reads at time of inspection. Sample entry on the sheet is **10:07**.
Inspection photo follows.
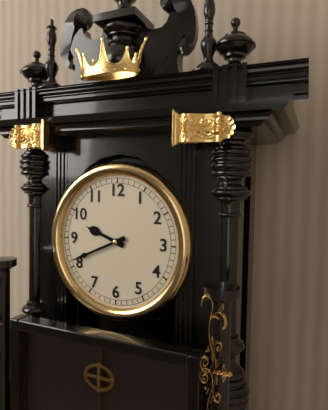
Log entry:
**9:41**
